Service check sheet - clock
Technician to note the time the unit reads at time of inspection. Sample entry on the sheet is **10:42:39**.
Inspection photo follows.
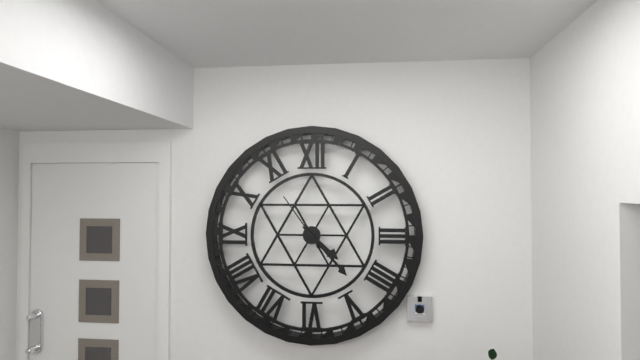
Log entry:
**4:23:54**
